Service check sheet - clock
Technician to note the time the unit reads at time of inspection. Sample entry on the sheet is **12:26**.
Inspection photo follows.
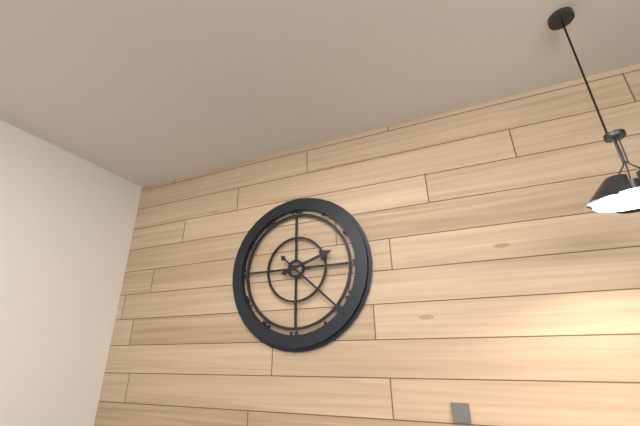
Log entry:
**2:22**
